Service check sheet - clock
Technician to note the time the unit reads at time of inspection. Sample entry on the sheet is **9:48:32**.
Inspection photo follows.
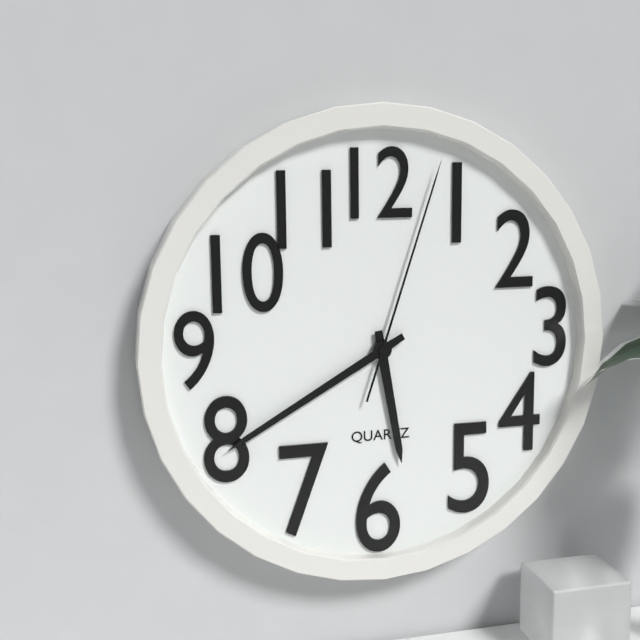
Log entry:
**5:40:03**
